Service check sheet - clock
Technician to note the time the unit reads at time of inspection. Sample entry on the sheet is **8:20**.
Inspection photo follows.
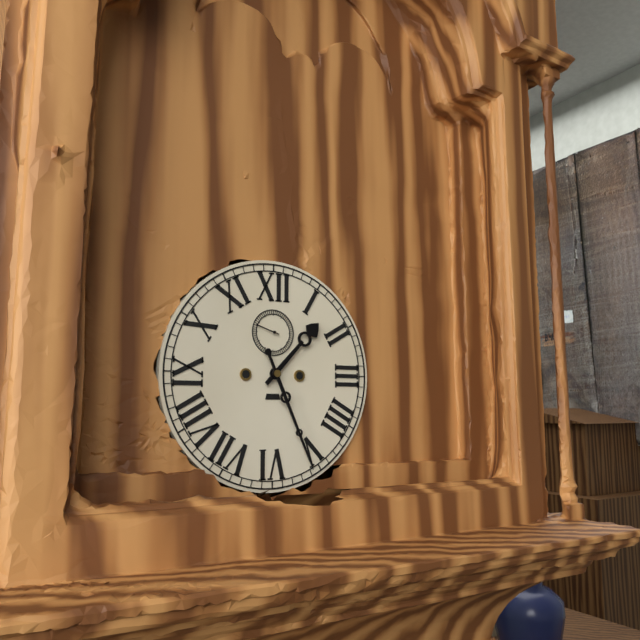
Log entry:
**1:26**
